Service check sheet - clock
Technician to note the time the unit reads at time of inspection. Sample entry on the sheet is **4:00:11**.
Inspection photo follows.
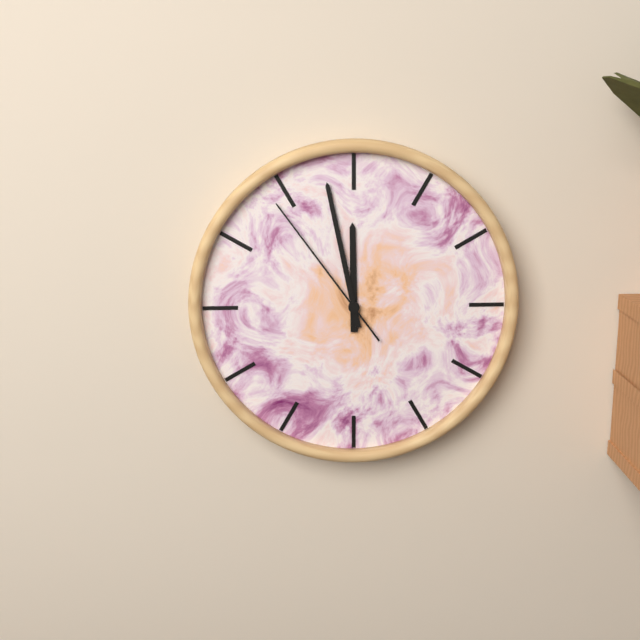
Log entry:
**11:58:54**
